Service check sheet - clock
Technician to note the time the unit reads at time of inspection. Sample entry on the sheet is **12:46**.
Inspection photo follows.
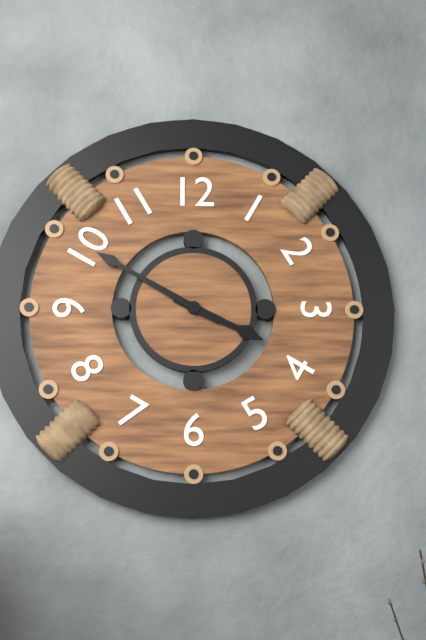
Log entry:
**3:50**
